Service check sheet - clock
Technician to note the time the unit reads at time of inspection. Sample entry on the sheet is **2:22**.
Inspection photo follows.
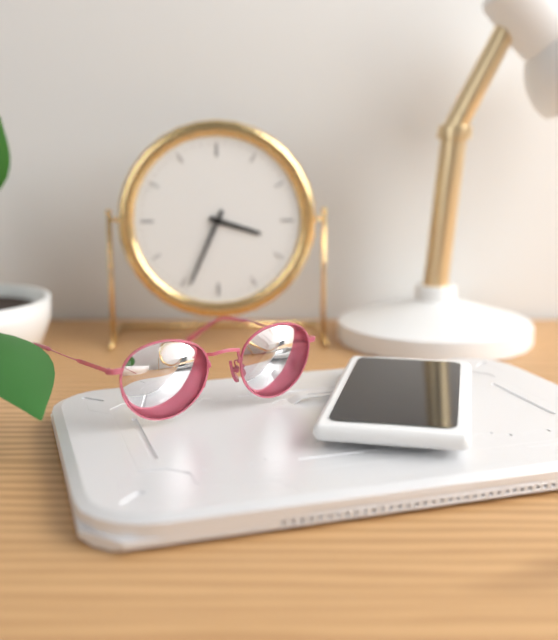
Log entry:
**3:34**
